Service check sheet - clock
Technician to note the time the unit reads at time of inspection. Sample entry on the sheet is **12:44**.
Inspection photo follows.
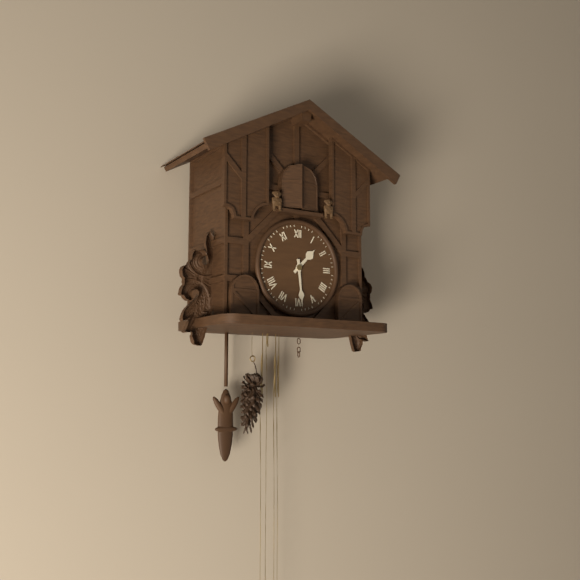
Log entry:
**1:29**
